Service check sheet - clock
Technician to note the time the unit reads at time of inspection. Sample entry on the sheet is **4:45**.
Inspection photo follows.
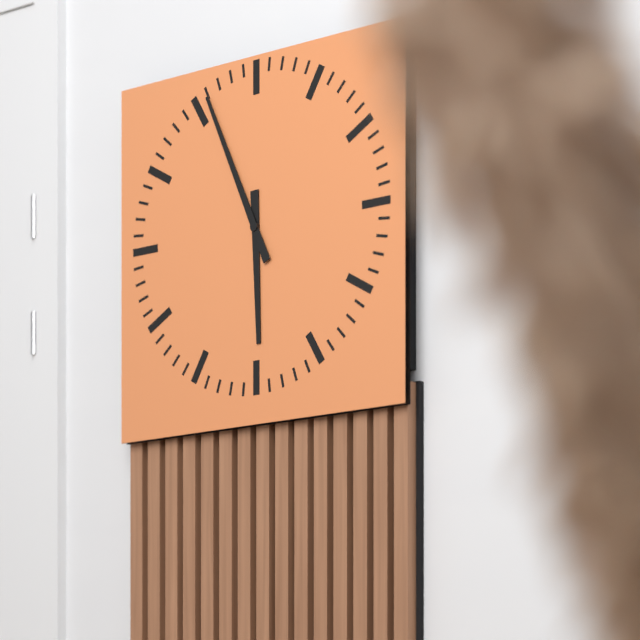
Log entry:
**5:56**
